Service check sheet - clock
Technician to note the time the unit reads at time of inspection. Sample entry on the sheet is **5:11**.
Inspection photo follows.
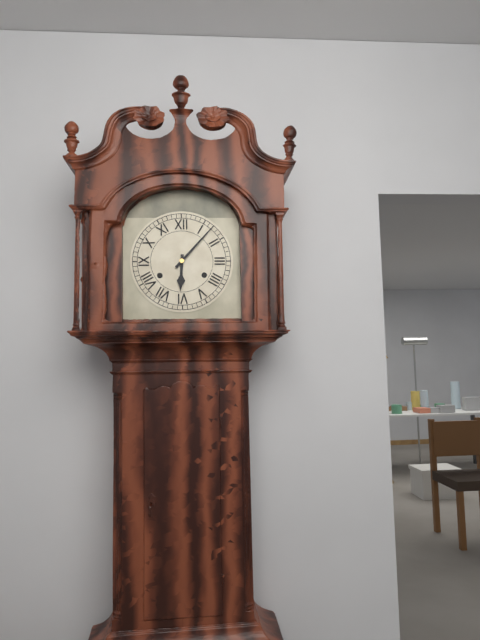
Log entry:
**6:07**
